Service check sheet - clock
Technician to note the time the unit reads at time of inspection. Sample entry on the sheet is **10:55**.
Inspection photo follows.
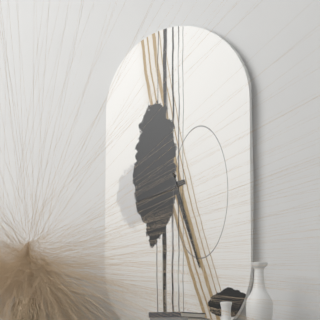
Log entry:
**8:27**
